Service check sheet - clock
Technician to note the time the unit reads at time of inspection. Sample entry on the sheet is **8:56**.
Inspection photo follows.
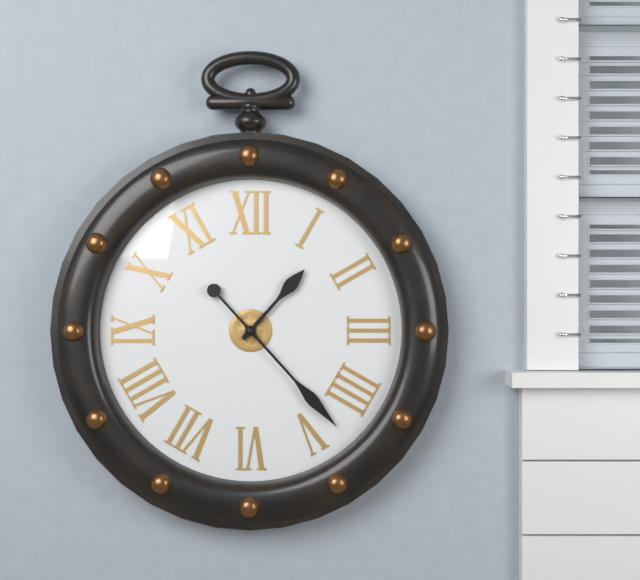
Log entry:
**1:23**
